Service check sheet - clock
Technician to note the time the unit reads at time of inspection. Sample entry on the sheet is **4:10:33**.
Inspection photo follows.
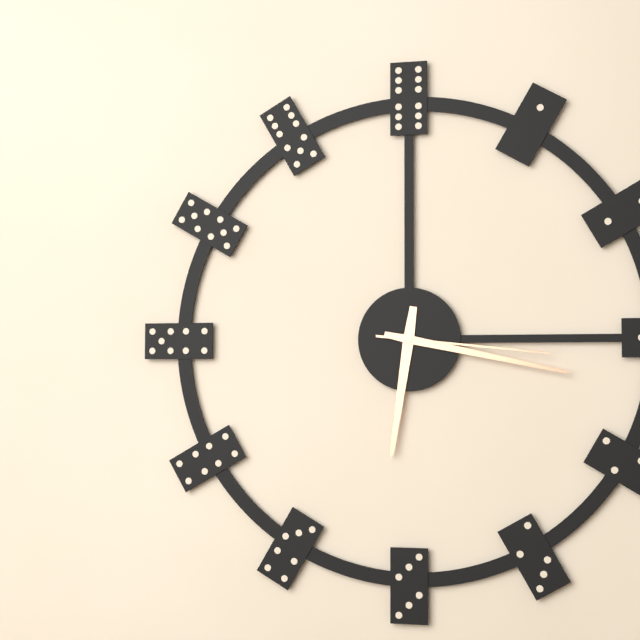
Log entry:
**6:17:16**
